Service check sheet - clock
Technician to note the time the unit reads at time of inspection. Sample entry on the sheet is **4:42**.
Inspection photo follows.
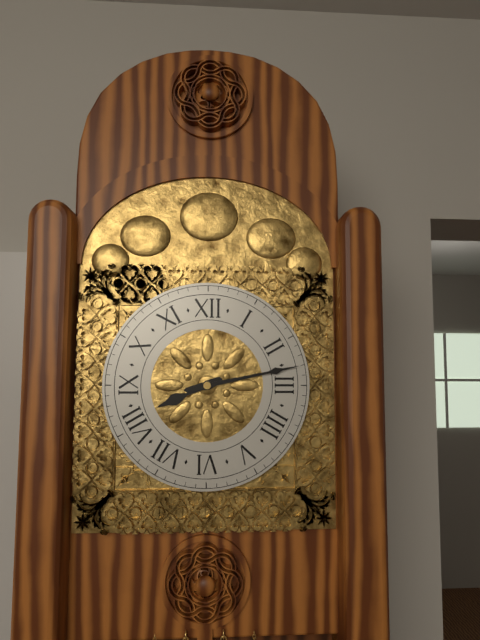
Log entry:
**8:13**
